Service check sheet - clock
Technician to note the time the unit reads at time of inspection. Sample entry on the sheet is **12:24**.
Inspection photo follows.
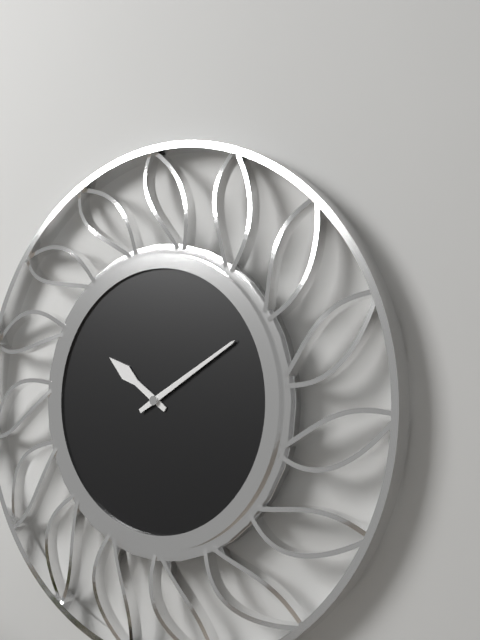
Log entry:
**10:10**
